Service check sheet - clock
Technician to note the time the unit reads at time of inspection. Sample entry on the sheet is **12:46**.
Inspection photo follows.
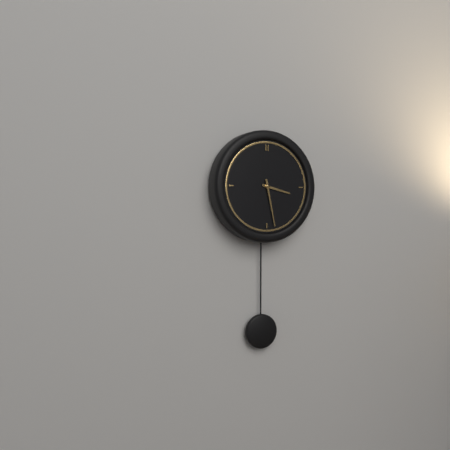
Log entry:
**3:28**
